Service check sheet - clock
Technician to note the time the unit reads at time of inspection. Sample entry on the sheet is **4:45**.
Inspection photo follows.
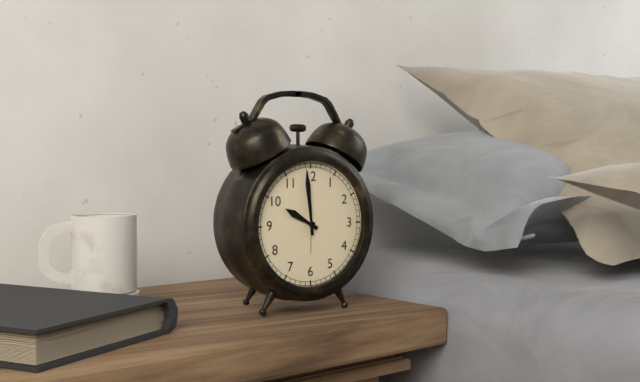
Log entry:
**9:59**
